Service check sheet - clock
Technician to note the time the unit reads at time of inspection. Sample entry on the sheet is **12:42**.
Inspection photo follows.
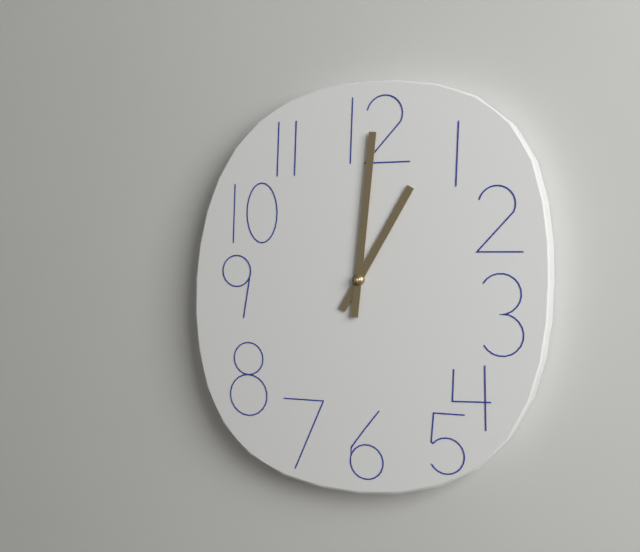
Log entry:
**1:01**
